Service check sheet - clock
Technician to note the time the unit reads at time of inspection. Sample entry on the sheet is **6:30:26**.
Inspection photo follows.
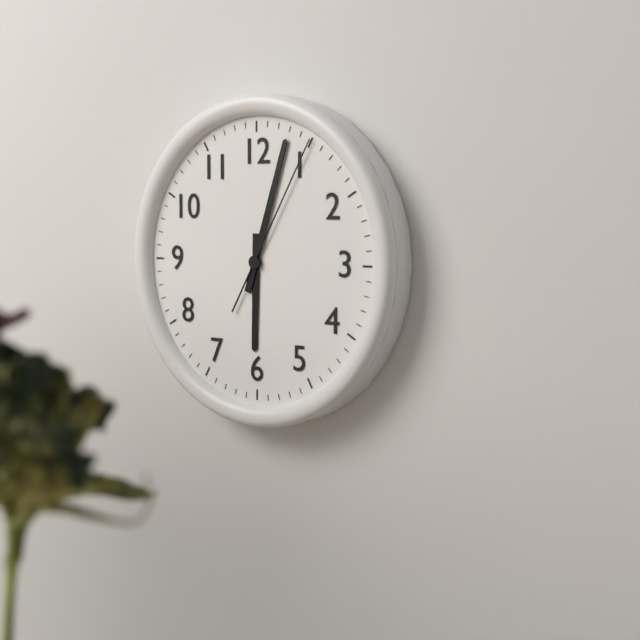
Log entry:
**6:03:05**
